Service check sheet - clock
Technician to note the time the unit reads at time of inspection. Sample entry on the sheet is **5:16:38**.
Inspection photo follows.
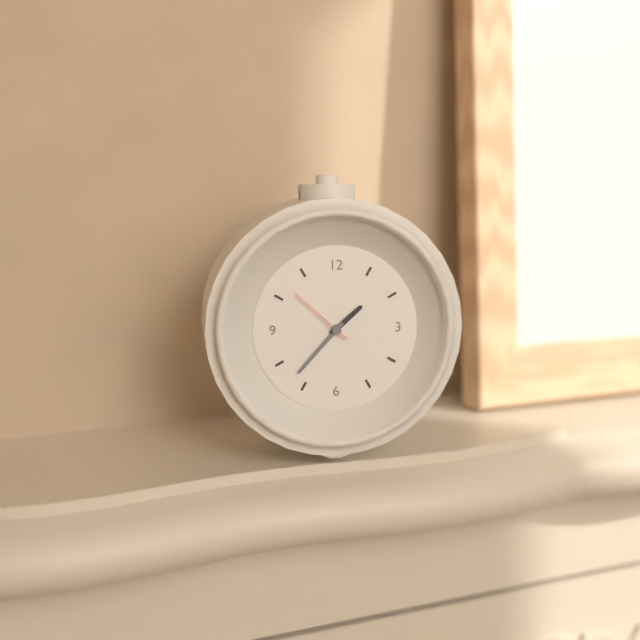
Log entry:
**1:37:52**
